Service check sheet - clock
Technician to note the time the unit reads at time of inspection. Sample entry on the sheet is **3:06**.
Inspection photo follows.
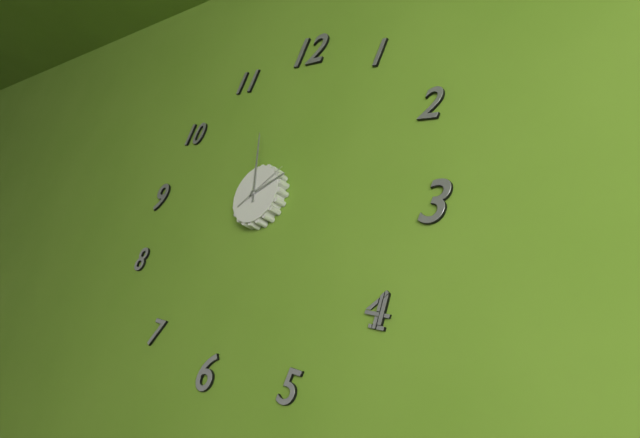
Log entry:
**1:57**
